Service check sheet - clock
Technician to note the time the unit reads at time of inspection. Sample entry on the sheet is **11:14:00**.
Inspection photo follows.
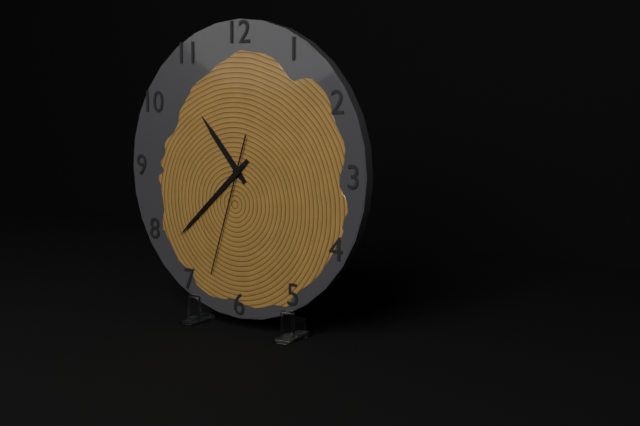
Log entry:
**10:38:33**
